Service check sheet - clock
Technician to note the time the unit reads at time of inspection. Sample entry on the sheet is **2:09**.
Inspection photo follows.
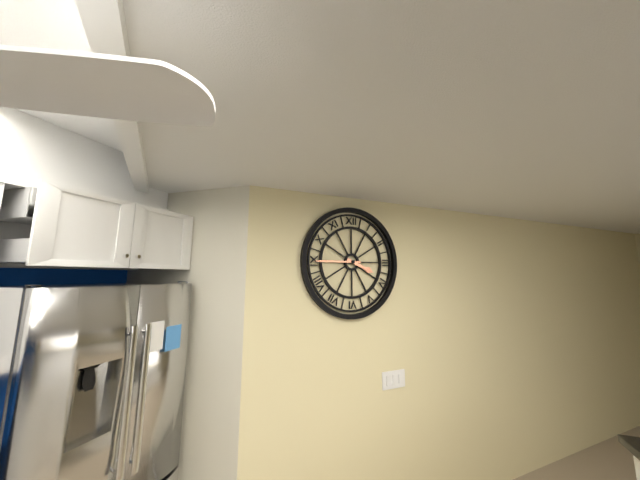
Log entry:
**3:45**
